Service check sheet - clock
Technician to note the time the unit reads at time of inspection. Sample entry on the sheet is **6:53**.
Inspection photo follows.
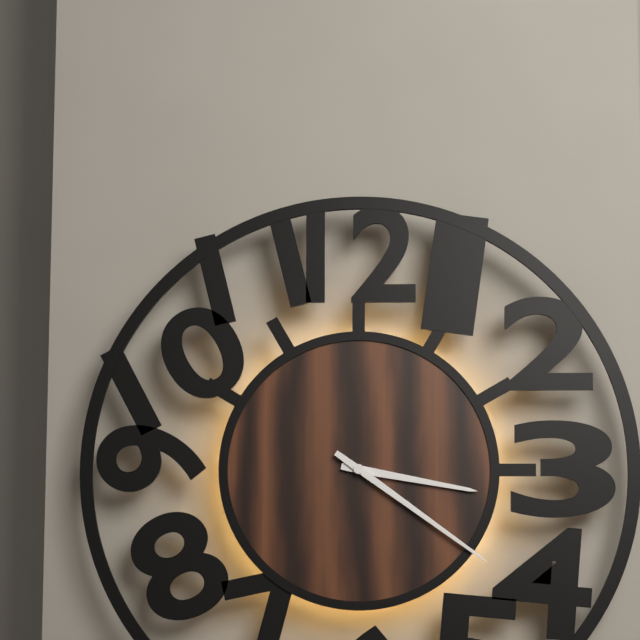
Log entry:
**3:21**
